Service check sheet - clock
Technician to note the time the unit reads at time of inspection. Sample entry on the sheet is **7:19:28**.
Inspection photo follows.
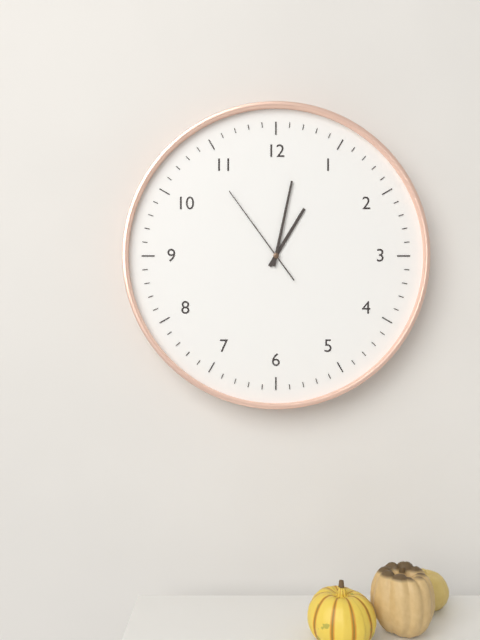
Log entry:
**1:02:54**
